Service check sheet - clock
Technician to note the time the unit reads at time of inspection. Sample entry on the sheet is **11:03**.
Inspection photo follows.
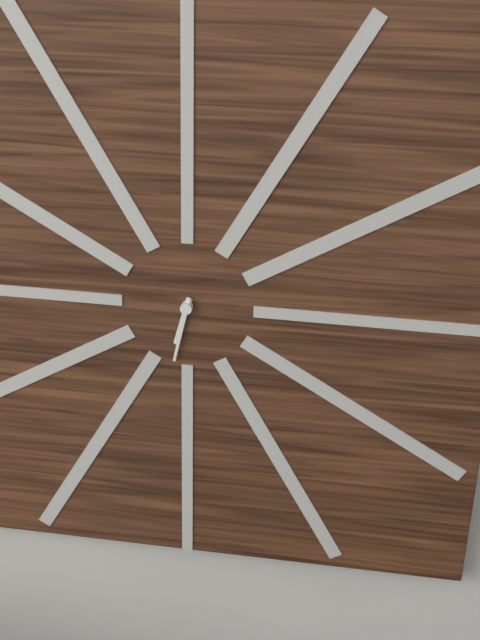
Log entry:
**6:32**
